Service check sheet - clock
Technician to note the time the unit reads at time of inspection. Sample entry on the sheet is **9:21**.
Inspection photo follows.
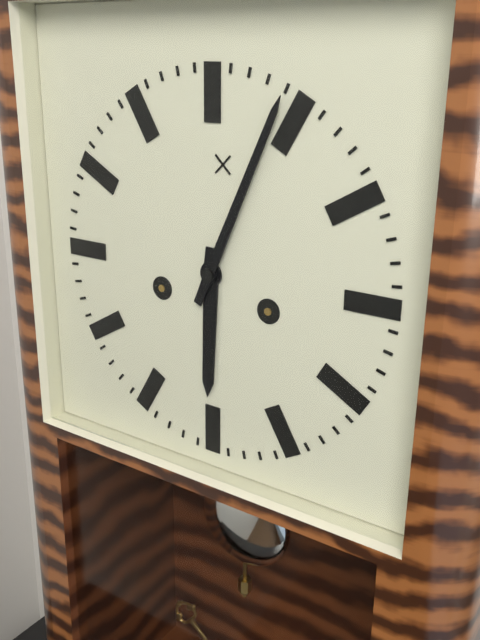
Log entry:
**6:04**
